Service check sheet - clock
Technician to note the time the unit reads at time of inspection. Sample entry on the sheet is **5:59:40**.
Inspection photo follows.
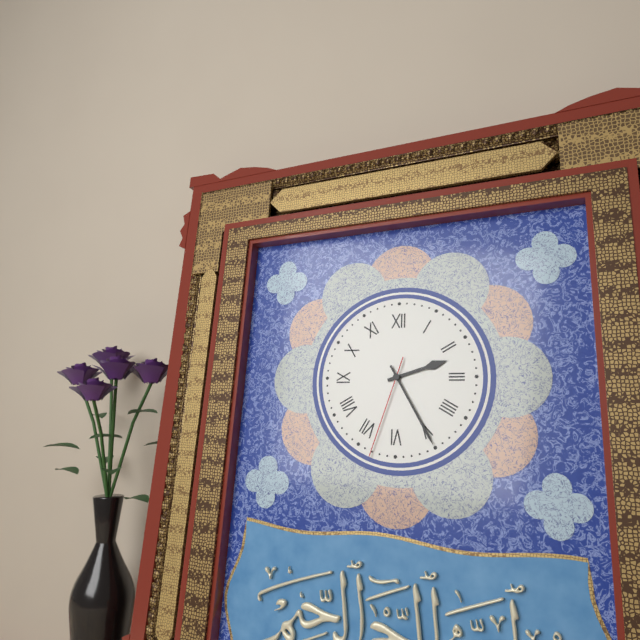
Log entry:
**2:25:33**
